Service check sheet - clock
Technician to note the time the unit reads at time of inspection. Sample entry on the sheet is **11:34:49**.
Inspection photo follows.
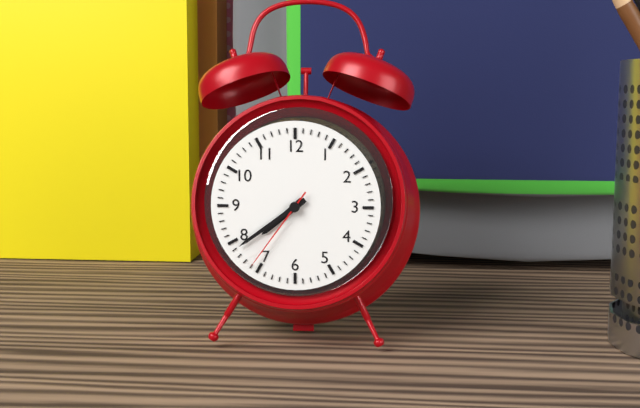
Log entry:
**7:39:36**
